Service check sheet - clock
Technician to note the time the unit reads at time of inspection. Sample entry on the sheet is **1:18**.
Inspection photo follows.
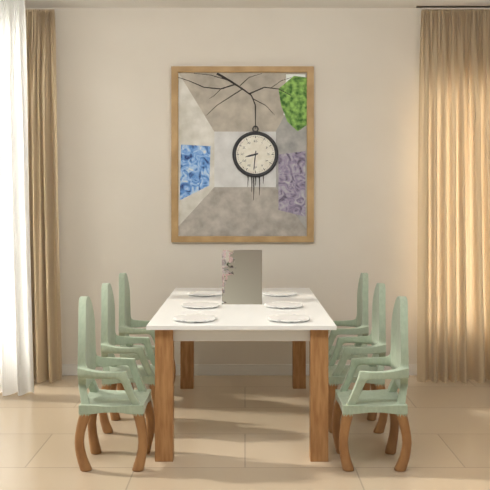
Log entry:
**8:31**
